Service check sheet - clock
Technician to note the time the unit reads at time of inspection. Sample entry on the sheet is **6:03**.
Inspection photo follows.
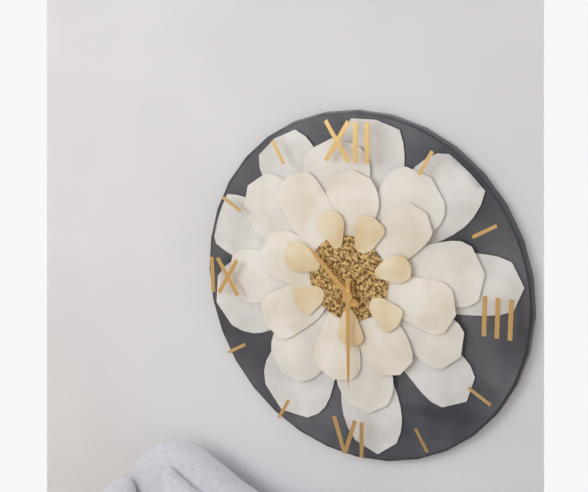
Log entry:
**10:30**
